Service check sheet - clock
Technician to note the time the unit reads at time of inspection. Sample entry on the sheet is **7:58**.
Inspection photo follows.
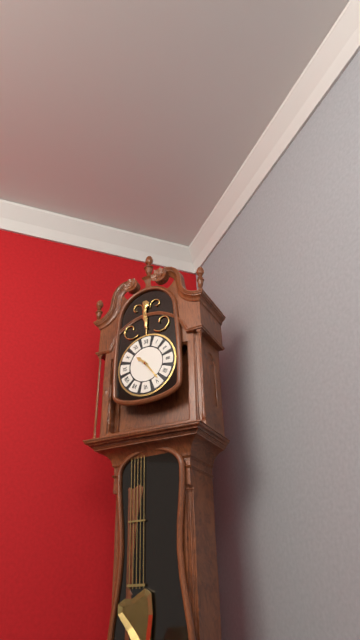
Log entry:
**10:24**
